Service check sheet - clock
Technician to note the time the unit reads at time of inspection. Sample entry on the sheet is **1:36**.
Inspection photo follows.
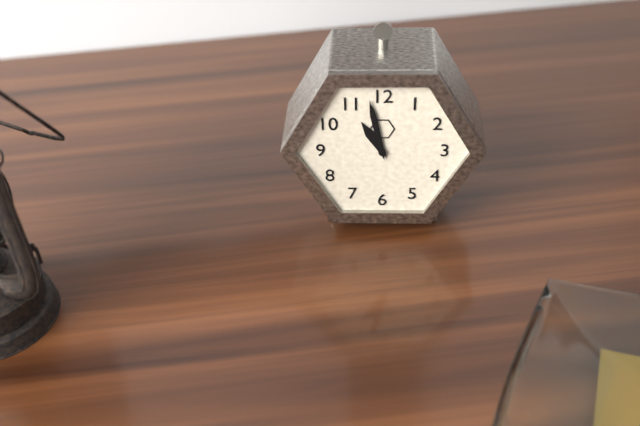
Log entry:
**10:58**
